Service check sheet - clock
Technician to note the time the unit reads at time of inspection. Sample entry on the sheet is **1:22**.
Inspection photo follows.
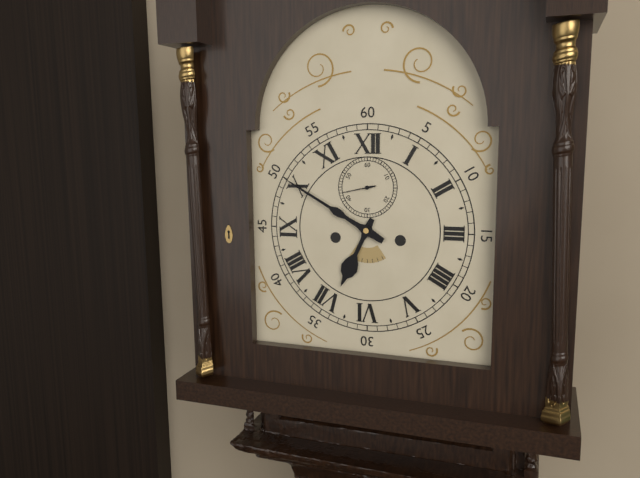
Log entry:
**6:50**
